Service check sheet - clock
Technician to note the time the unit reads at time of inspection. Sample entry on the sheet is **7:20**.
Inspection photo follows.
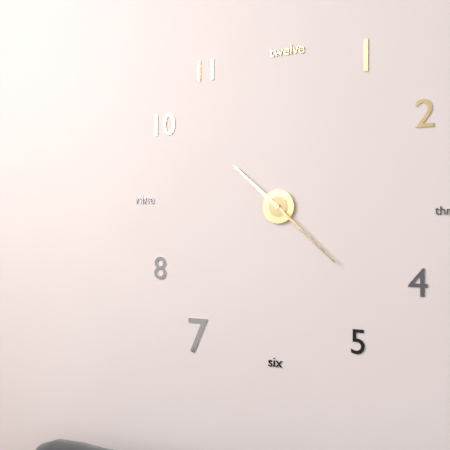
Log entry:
**10:22**
